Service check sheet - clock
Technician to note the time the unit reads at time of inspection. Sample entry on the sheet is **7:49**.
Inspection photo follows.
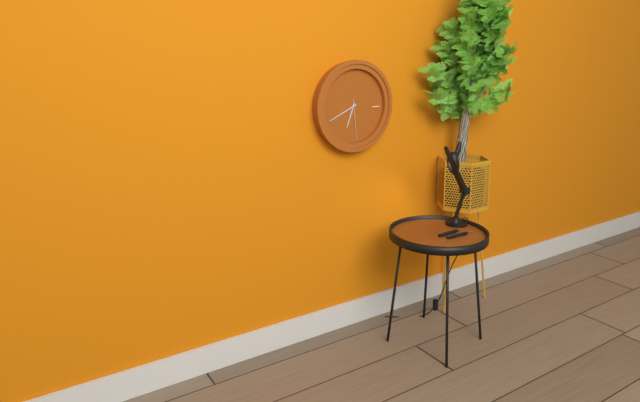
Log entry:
**6:41**
